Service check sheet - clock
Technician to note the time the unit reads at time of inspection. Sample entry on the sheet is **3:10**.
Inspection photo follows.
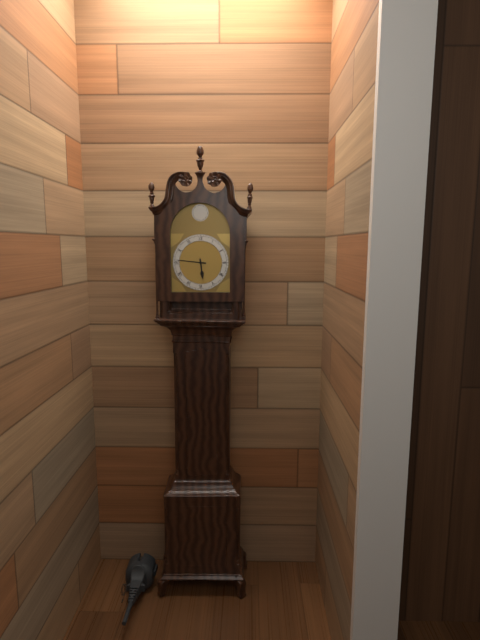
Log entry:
**5:46**
